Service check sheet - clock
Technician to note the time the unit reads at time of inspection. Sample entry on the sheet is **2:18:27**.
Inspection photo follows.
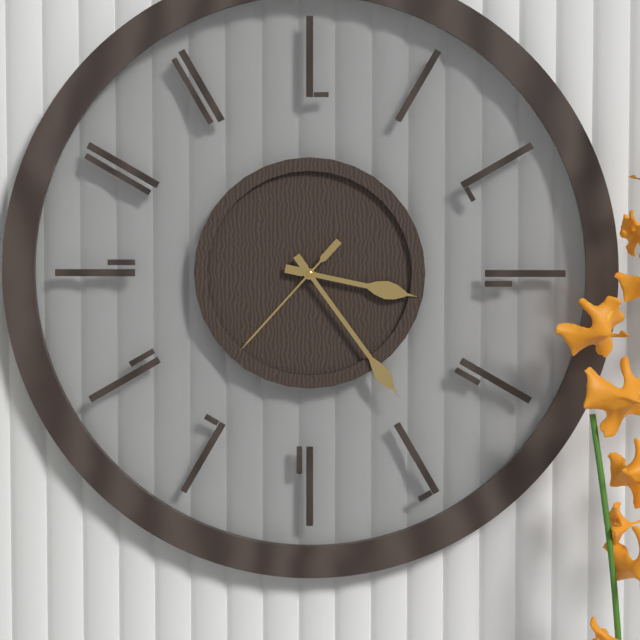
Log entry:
**3:24:37**
